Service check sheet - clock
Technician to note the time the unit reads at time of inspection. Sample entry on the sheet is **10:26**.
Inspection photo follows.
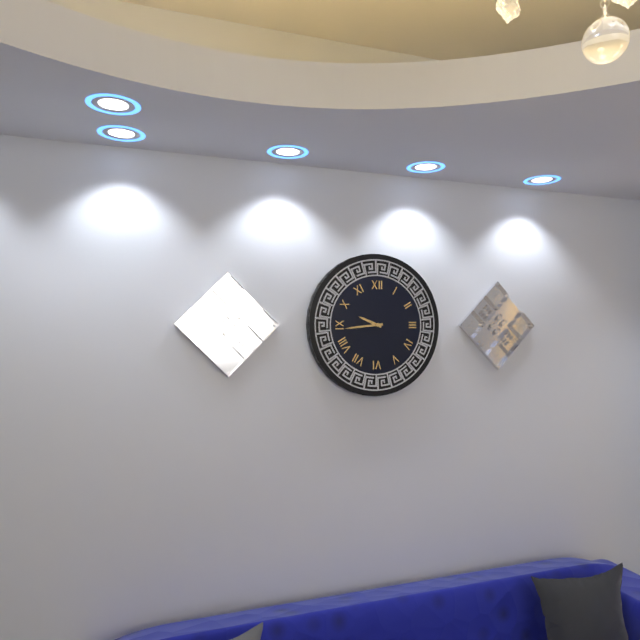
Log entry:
**9:44**
